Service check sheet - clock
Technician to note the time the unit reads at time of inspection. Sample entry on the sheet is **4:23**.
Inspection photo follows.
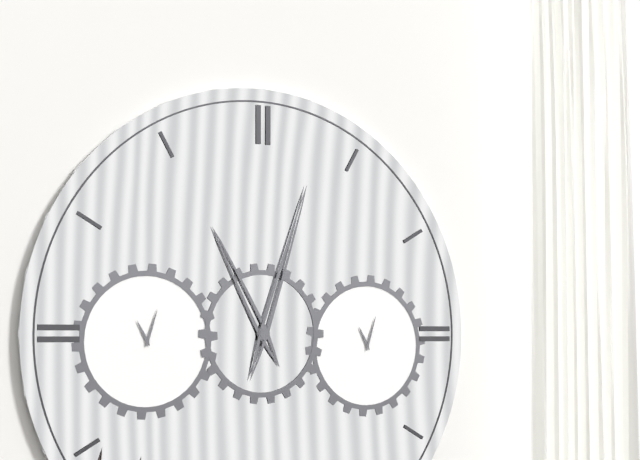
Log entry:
**11:03**
